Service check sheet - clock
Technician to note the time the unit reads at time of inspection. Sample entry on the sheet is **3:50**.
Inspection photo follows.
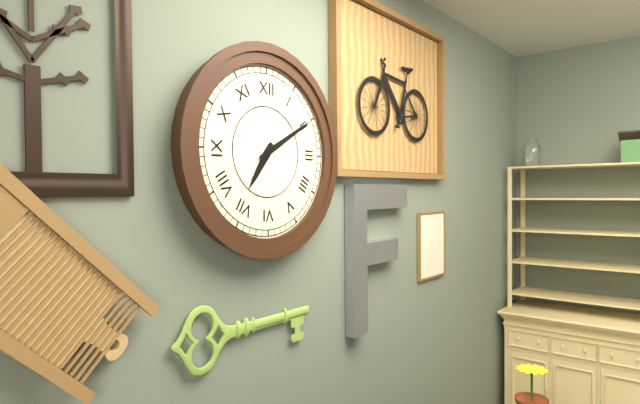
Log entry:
**7:10**
